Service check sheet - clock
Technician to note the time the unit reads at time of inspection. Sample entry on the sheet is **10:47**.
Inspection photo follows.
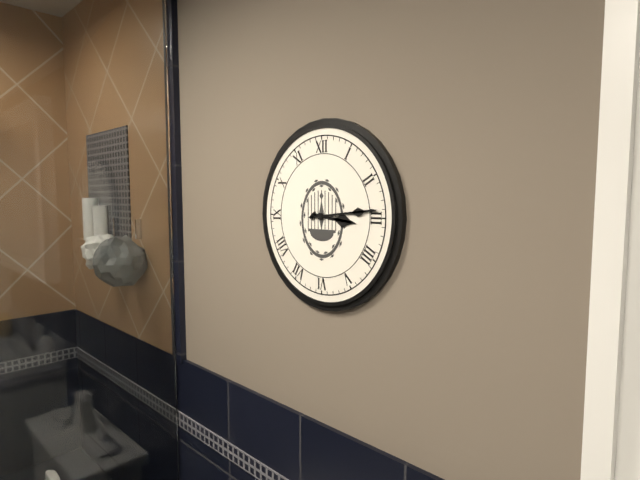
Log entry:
**3:14**
